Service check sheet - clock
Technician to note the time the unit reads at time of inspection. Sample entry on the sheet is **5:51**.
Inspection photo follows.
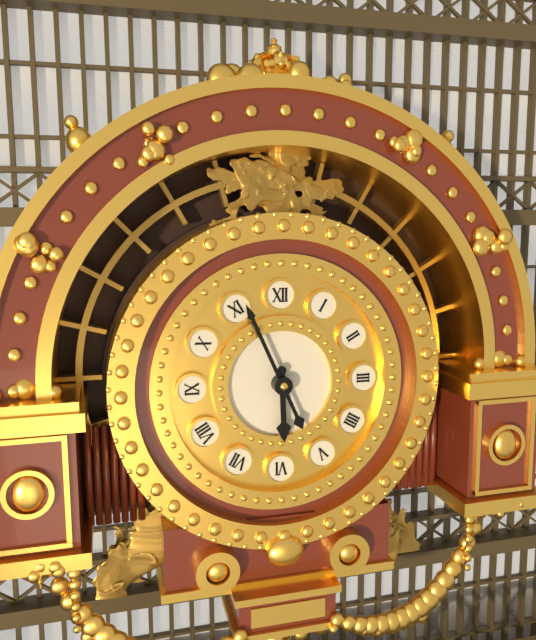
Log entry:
**5:56**
